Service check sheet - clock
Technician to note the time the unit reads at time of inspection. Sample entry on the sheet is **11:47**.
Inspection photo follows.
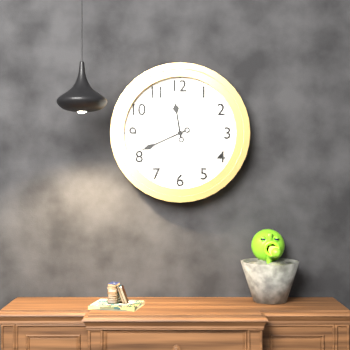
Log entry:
**11:41**
